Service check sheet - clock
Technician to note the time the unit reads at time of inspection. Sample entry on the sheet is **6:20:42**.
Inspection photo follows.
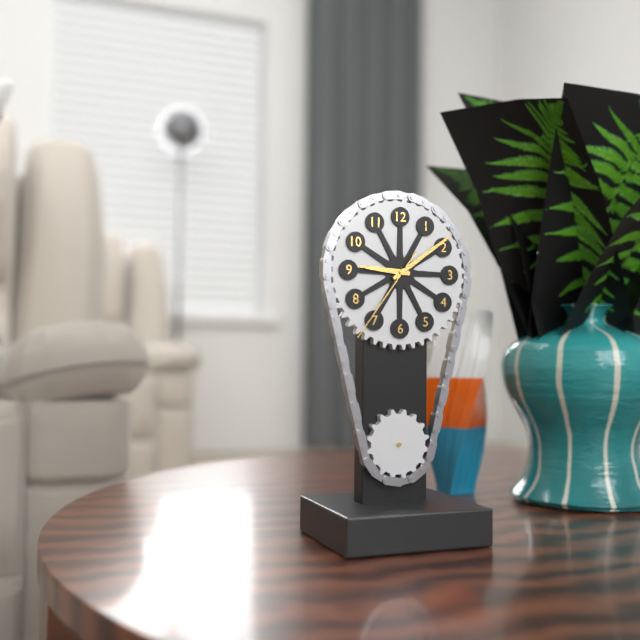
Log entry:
**9:09:36**
